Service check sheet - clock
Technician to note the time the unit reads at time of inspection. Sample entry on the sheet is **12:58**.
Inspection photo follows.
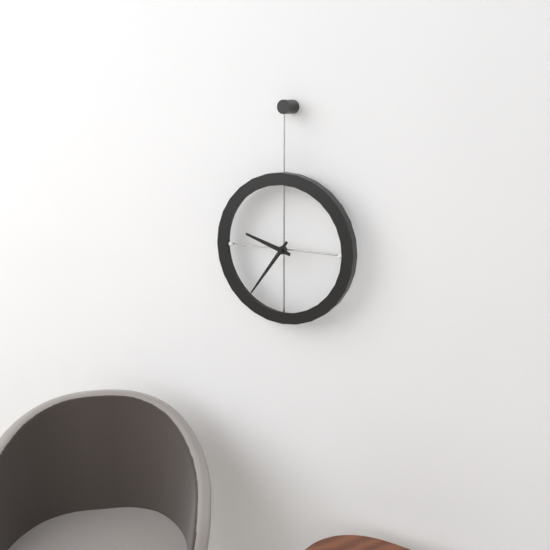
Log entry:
**9:36**
